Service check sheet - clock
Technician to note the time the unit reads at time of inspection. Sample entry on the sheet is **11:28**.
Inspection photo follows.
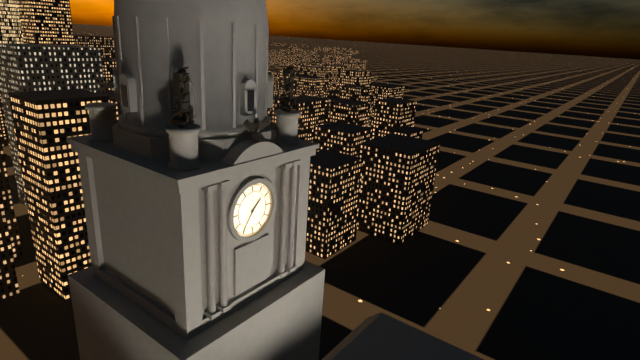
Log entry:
**1:36**
